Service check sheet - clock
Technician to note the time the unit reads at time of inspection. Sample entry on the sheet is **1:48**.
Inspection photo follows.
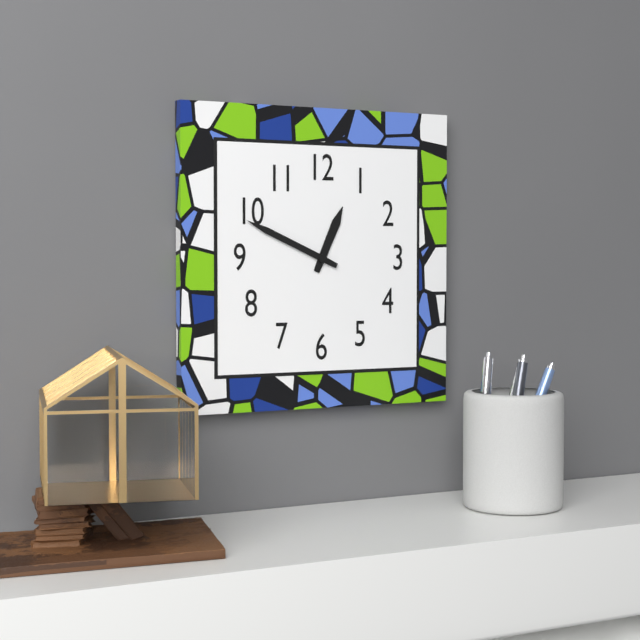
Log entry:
**12:49**
